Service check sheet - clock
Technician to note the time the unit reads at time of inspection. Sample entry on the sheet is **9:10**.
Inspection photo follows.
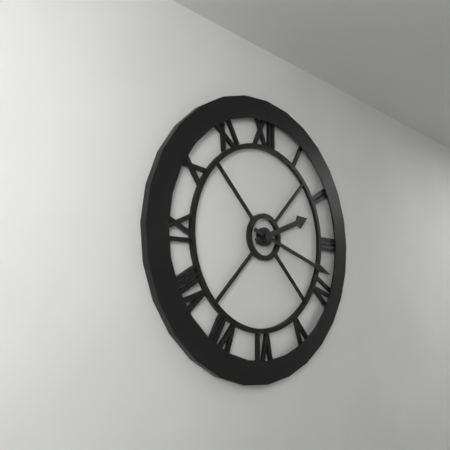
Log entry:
**2:18**
